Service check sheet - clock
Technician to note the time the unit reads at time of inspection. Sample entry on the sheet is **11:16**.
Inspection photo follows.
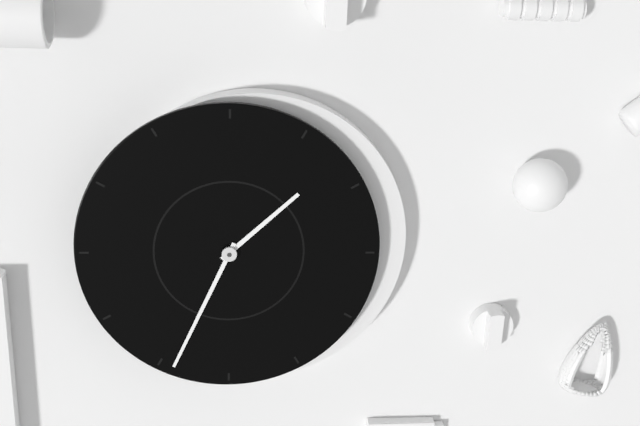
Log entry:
**1:34**
